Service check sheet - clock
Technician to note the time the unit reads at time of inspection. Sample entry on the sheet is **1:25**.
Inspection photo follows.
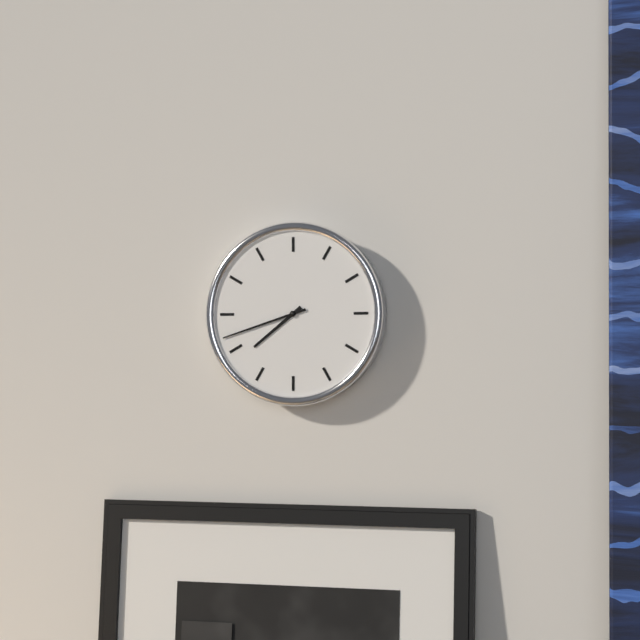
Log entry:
**7:42**
